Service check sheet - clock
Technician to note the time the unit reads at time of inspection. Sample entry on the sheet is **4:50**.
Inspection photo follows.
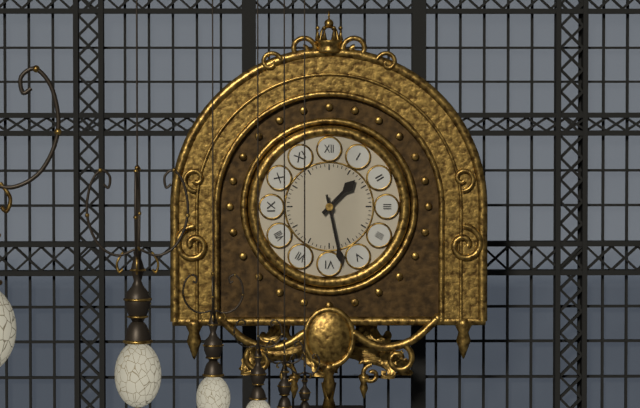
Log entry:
**1:28**
